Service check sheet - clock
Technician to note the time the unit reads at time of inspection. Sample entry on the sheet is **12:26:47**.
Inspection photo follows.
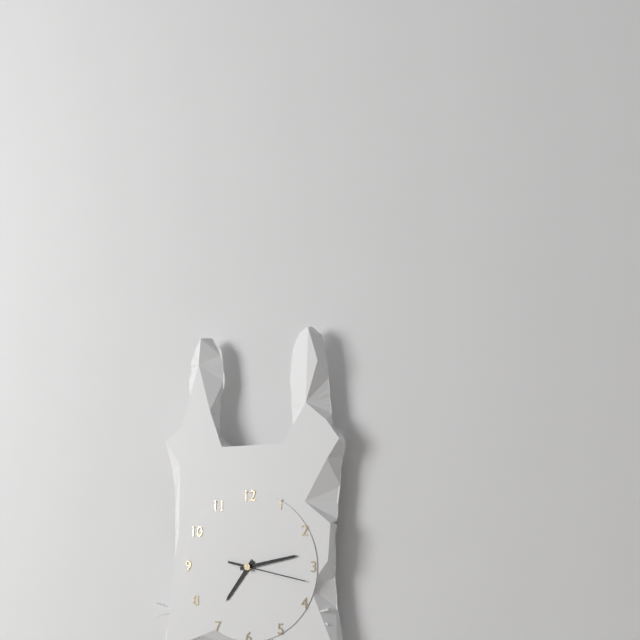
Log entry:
**7:13:17**
